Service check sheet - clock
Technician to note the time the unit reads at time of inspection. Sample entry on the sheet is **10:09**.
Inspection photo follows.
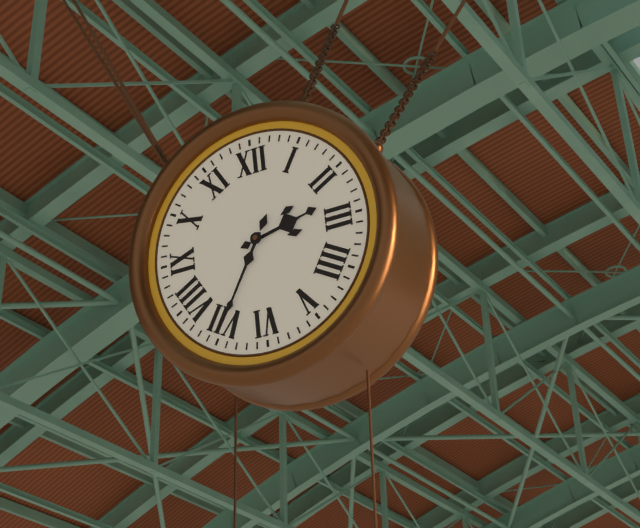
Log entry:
**2:35**
